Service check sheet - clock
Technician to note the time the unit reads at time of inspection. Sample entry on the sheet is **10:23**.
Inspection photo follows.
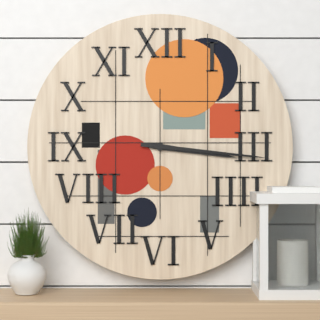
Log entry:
**3:16**
